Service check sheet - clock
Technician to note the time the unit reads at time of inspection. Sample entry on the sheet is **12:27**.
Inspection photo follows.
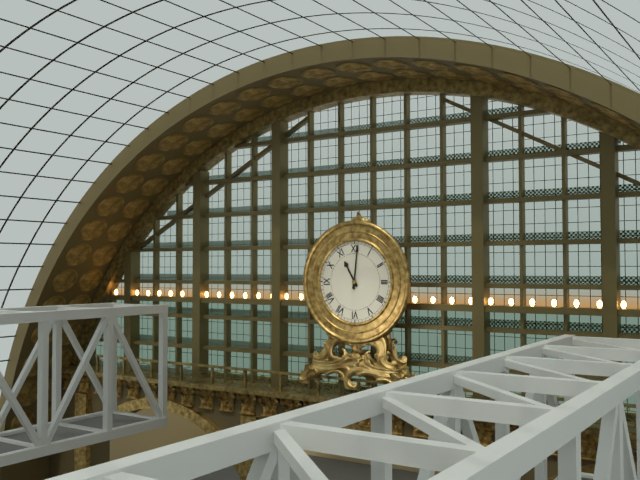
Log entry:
**11:01**
